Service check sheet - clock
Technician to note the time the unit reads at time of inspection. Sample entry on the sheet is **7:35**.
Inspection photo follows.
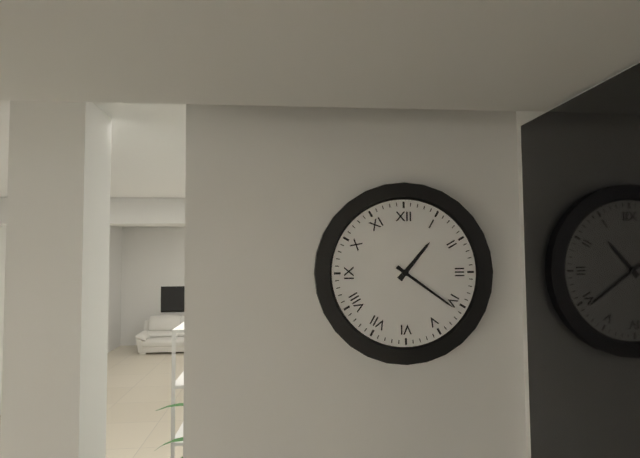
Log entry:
**1:21**
